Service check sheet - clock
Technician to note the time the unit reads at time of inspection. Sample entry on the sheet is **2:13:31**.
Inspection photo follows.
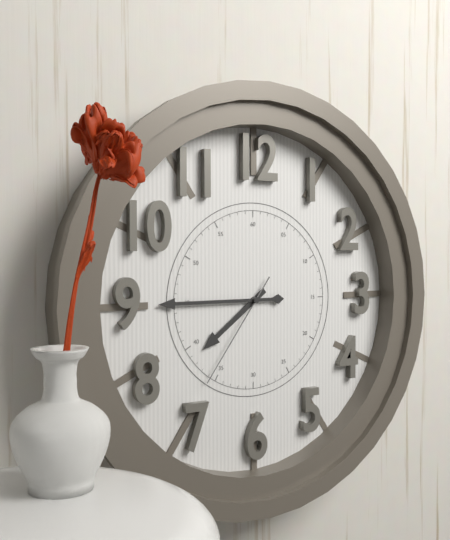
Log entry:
**7:45:36**
